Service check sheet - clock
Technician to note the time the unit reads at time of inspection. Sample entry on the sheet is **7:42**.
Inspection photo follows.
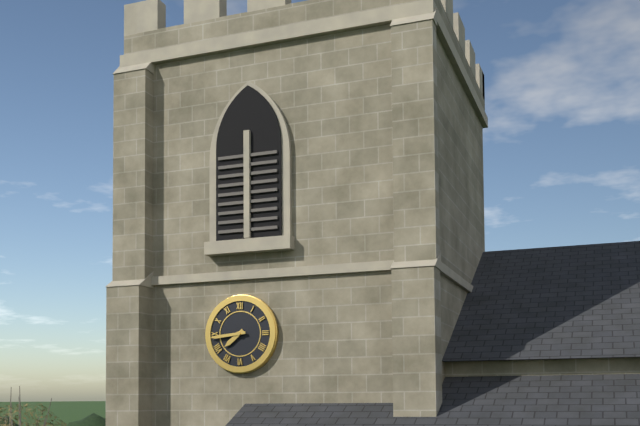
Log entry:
**7:44**
